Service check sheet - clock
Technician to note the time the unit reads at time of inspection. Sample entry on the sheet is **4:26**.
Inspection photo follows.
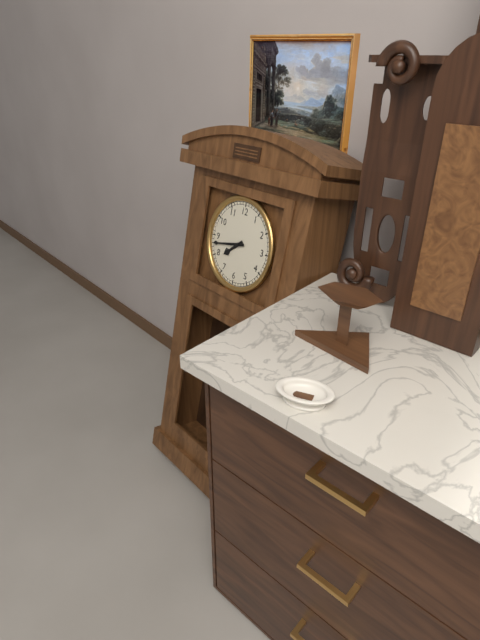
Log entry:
**7:43**
